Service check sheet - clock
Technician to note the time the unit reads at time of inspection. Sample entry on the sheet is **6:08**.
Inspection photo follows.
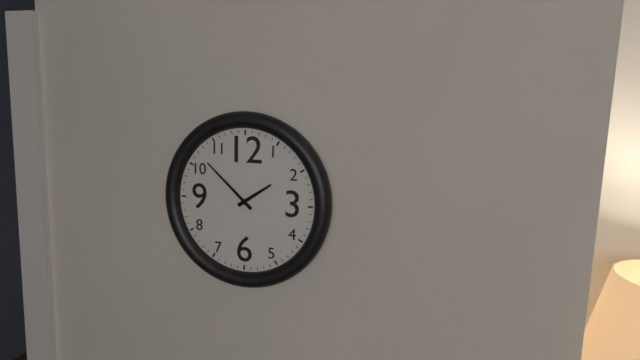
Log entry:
**1:52**
